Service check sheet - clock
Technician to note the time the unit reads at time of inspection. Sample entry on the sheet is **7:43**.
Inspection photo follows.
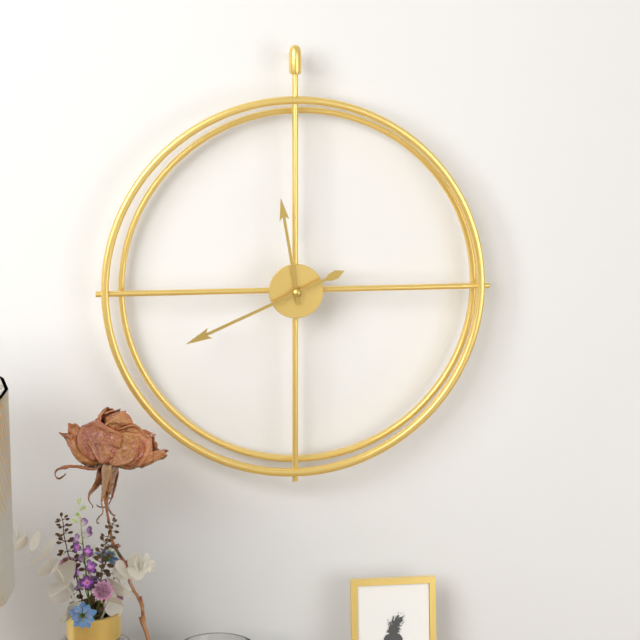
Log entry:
**11:41**
